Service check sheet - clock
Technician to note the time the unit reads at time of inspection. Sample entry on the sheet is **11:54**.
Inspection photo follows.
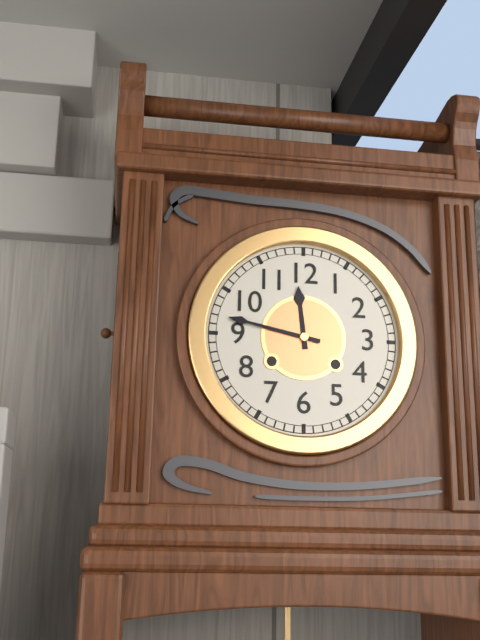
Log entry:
**11:47**
